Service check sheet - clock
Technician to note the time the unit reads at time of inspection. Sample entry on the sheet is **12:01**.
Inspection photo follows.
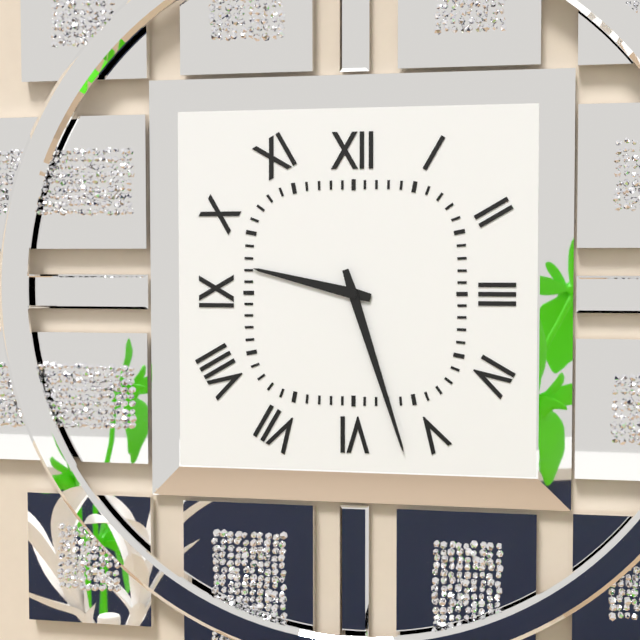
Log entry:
**9:27**
